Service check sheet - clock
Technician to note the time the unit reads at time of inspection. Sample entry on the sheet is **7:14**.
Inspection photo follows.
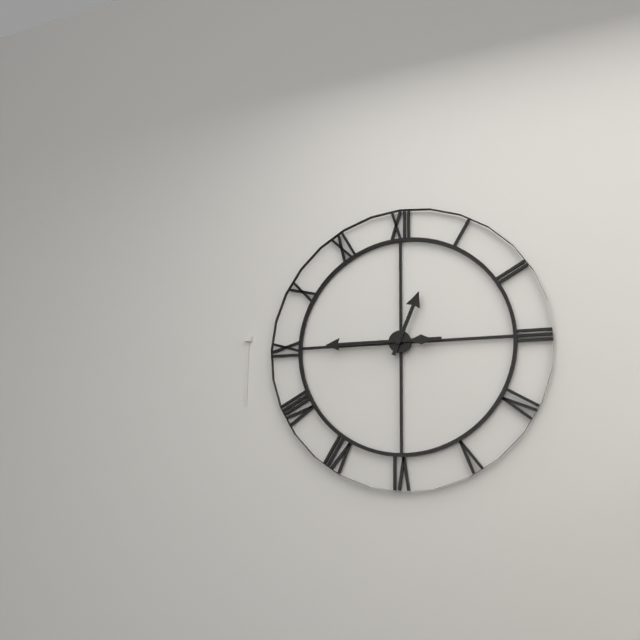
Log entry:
**12:45**
